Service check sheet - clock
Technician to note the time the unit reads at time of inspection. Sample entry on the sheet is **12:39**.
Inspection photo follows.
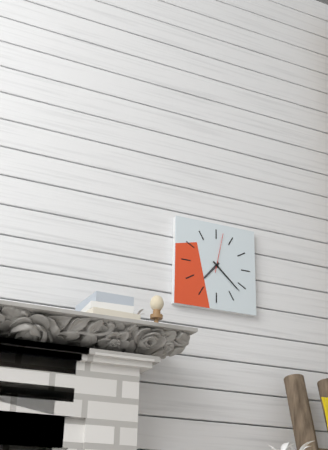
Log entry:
**7:22**
